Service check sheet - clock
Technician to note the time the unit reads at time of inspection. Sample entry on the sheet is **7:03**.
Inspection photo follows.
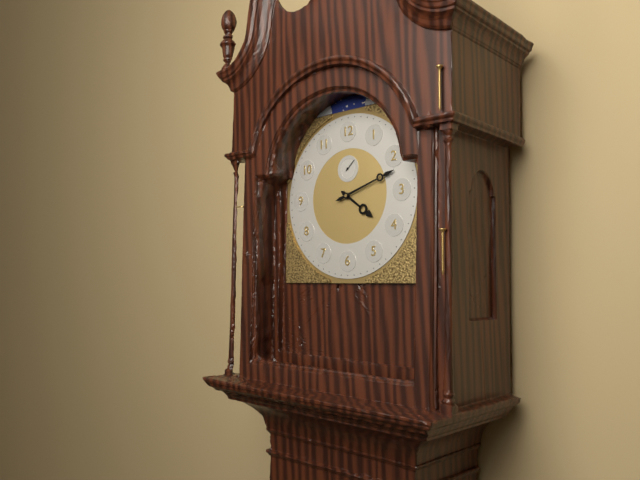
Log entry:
**4:12**
